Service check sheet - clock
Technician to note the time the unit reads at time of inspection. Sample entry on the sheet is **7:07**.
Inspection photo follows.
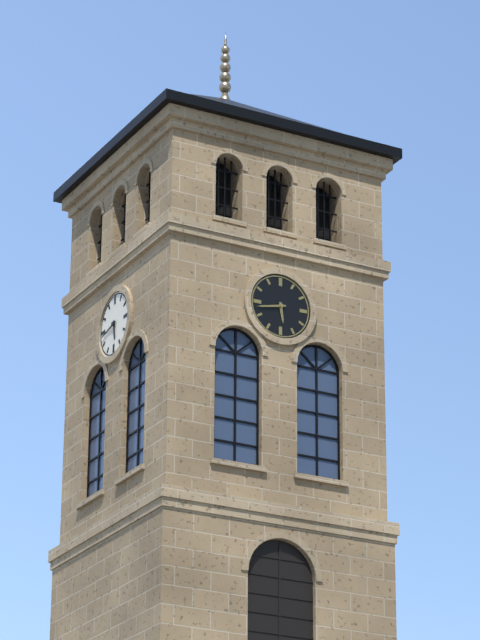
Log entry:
**5:43**
